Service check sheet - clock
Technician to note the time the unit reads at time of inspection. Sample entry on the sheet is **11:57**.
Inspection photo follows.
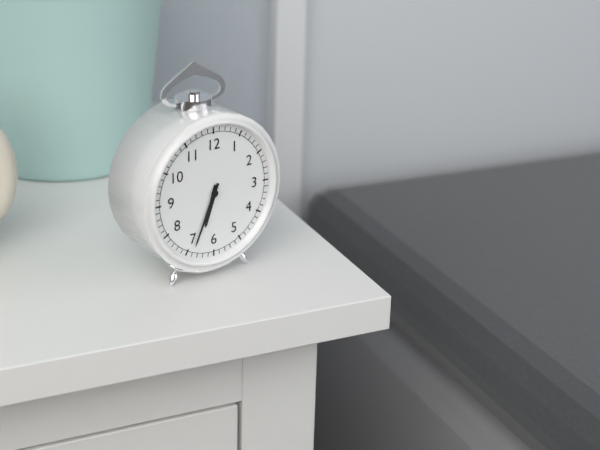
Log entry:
**6:34**
